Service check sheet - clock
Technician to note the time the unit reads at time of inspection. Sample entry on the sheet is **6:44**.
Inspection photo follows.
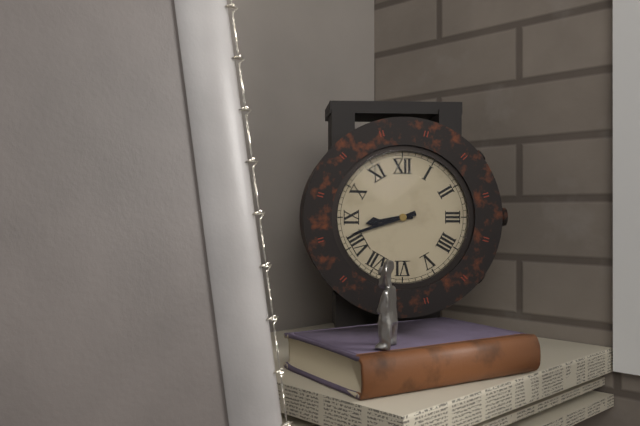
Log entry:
**8:42**
